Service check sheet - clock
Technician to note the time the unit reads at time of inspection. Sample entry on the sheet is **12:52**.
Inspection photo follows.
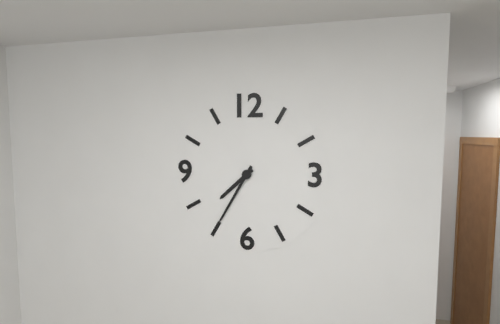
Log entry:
**7:35**
